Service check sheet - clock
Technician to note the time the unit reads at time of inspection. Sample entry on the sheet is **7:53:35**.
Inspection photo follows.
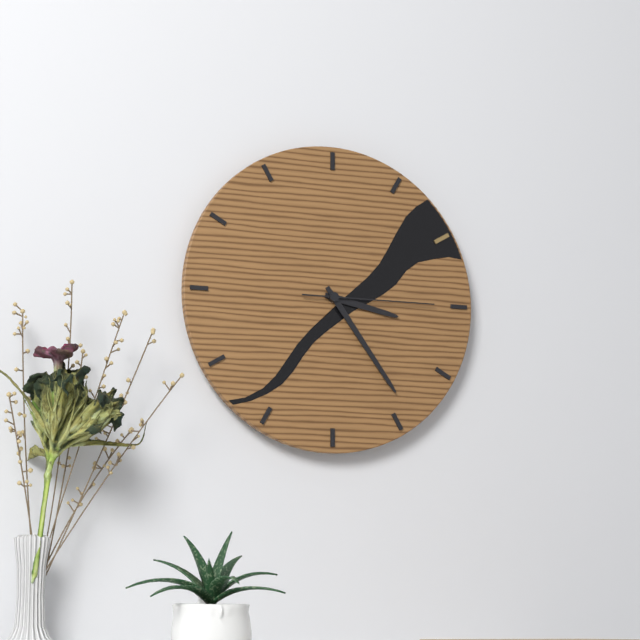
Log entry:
**3:24:15**
